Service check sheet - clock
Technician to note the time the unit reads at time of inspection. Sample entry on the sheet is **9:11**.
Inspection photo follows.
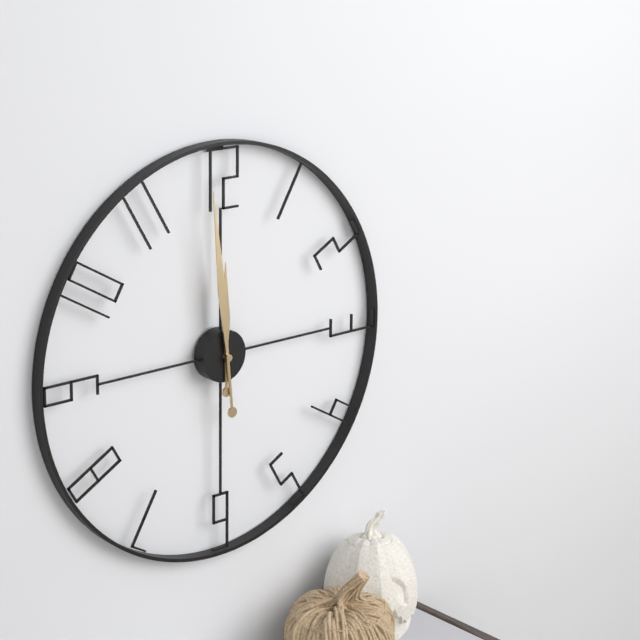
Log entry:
**11:59**
